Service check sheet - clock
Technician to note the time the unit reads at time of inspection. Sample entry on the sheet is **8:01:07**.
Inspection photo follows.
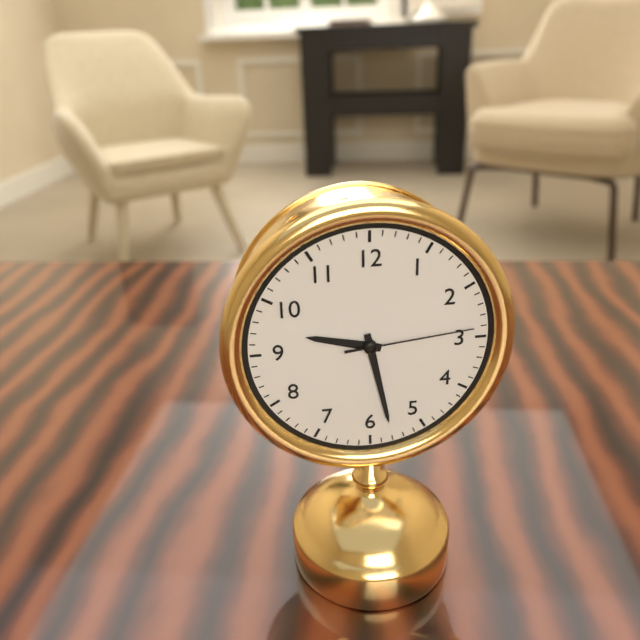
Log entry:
**9:28:14**
